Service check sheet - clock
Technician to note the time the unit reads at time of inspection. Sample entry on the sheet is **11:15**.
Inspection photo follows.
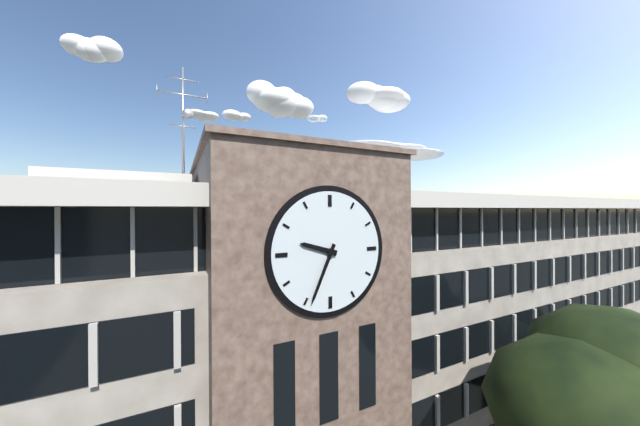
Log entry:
**9:34**
